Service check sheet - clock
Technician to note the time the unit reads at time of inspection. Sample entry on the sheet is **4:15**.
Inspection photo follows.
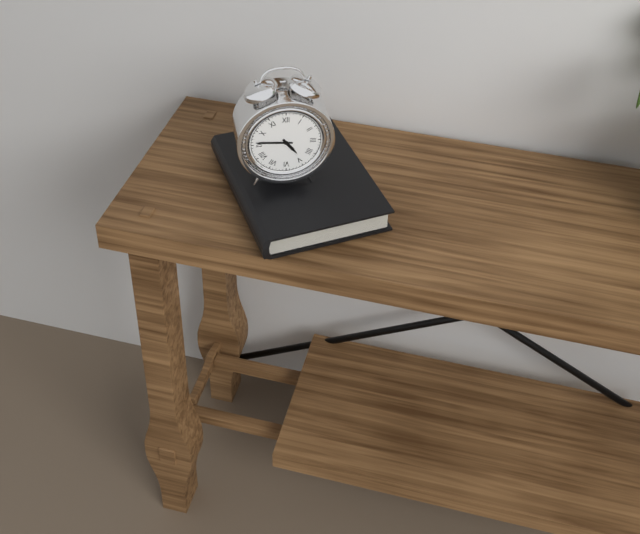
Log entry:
**4:46**
